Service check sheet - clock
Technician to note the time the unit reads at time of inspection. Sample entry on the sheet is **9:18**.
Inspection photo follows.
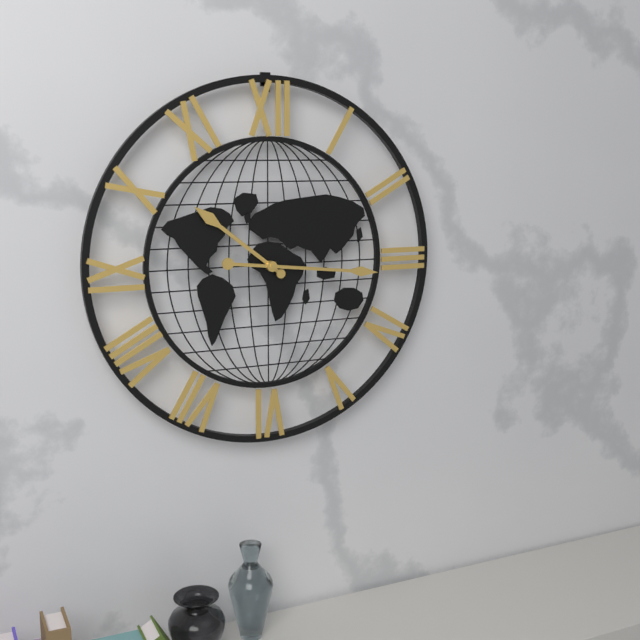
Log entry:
**10:16**
